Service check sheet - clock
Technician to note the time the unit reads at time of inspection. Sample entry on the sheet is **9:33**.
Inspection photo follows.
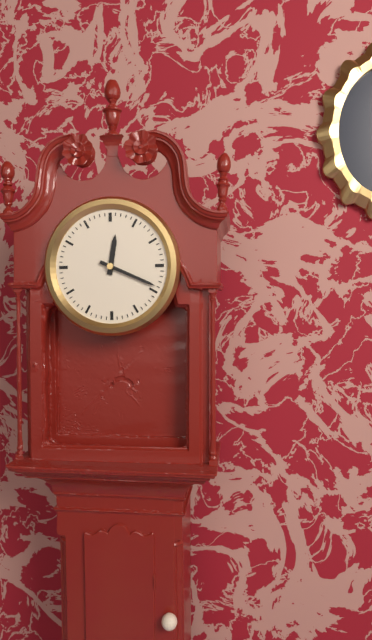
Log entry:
**12:19**
